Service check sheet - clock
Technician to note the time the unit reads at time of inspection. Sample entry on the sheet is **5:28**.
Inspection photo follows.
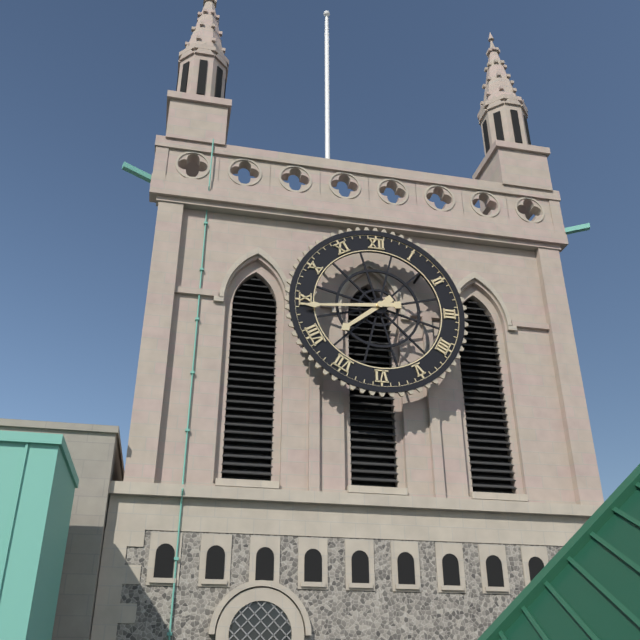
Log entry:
**7:44**
